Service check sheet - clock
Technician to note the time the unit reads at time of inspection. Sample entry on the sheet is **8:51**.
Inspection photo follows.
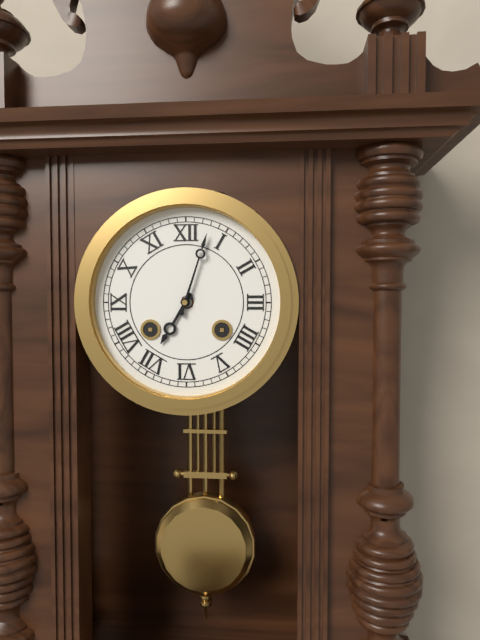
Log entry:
**7:03**
